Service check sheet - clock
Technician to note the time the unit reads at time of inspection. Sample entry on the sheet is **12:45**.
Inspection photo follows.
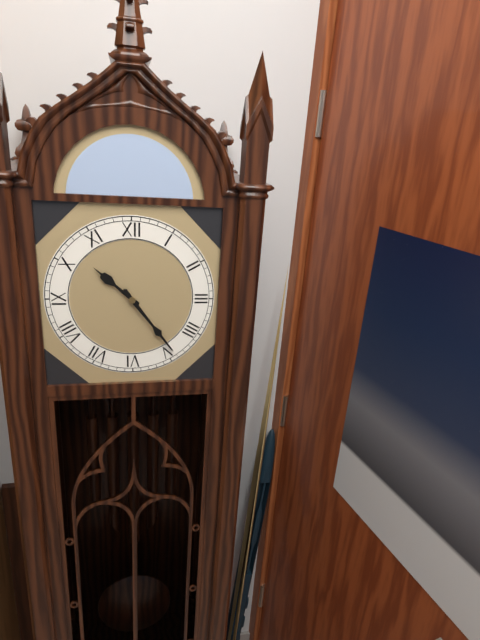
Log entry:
**10:24**
